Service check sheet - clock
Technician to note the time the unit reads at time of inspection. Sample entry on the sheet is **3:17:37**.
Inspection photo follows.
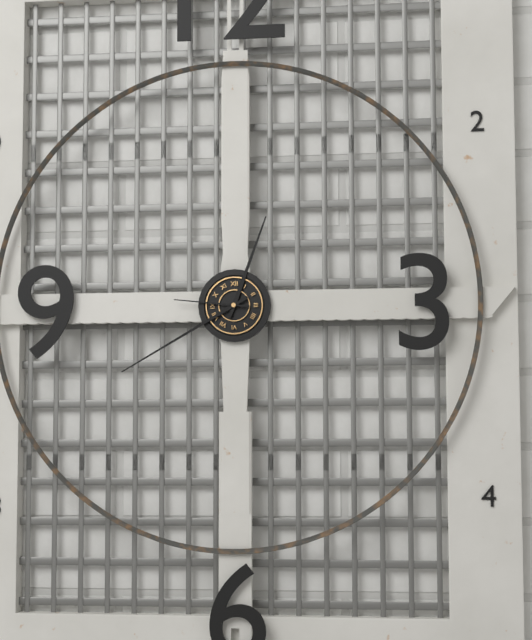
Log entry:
**12:40:46**
